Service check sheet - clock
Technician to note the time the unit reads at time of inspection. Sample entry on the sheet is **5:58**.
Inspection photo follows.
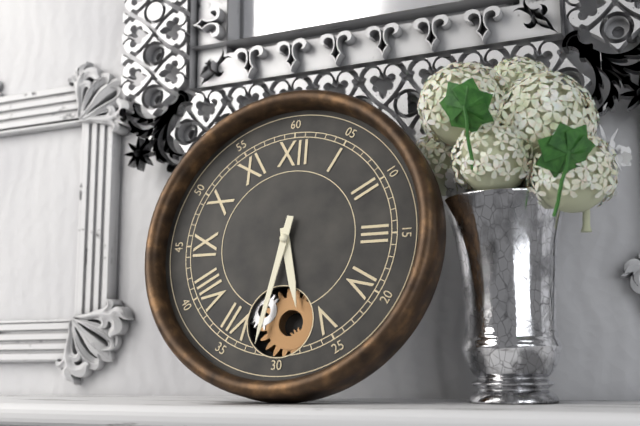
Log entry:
**5:32**
